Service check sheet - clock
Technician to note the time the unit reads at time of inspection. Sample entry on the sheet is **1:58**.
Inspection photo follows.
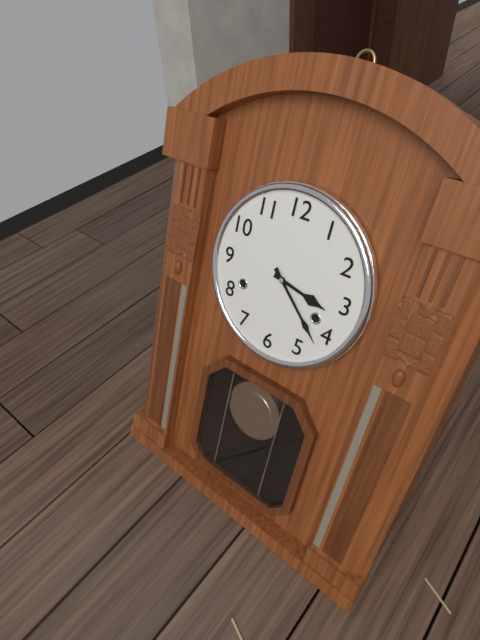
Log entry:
**3:22**
